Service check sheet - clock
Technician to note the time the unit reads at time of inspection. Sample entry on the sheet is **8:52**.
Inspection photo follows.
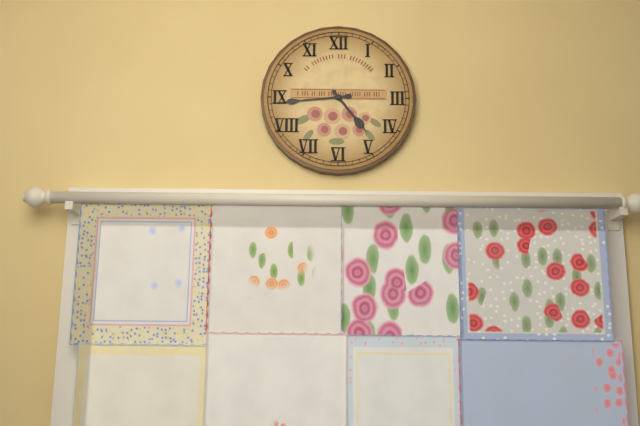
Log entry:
**4:44**
